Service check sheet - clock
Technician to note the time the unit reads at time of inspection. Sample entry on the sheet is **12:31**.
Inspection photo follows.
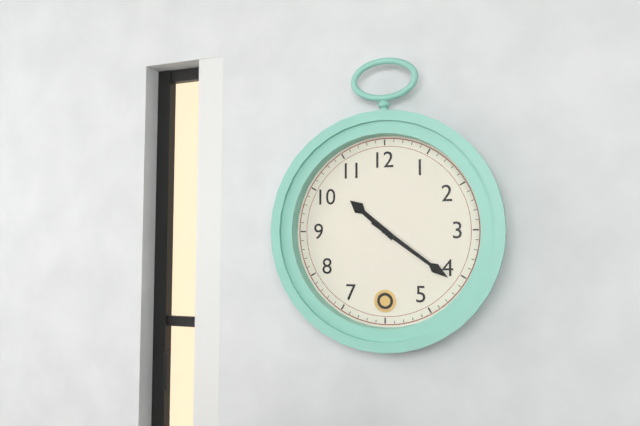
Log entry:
**10:21**
